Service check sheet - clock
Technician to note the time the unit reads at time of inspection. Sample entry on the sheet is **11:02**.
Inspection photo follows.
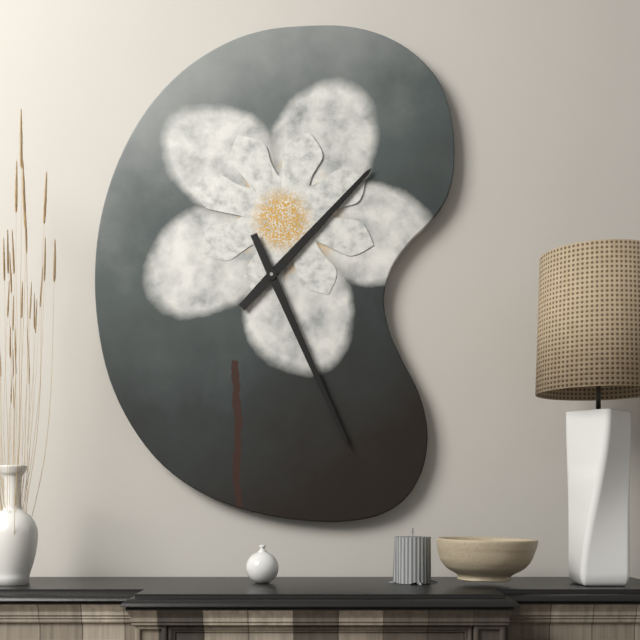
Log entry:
**1:26**
